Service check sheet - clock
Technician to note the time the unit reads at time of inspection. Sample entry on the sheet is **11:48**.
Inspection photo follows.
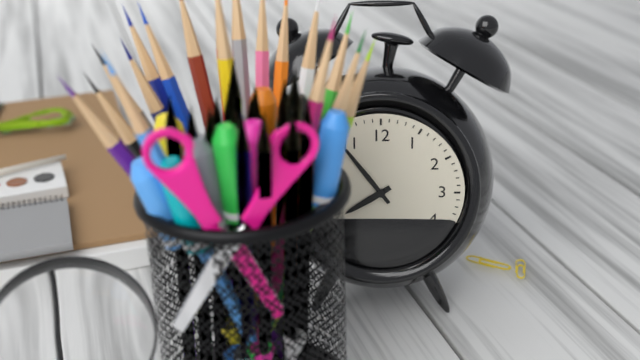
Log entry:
**7:54**
